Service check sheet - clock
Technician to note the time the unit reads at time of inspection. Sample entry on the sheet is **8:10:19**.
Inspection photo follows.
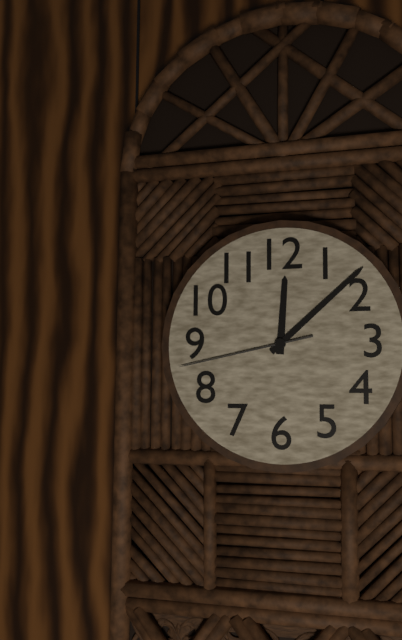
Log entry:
**12:08:43**
